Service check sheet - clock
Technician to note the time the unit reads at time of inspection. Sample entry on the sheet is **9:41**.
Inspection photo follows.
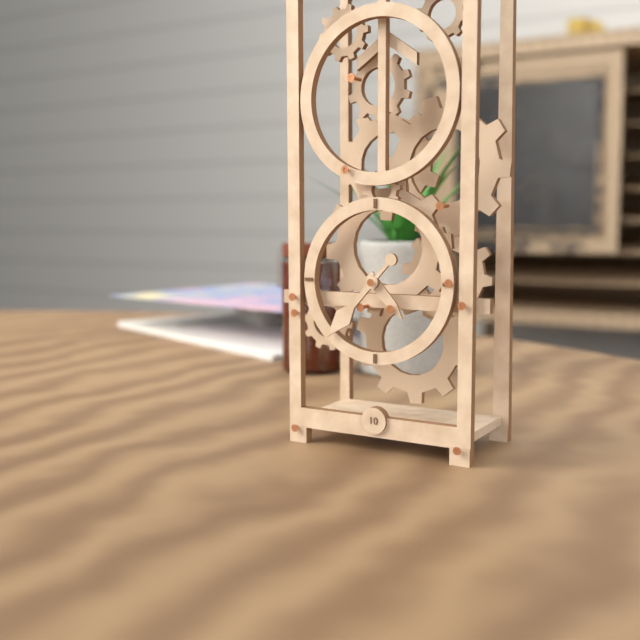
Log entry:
**4:37**
